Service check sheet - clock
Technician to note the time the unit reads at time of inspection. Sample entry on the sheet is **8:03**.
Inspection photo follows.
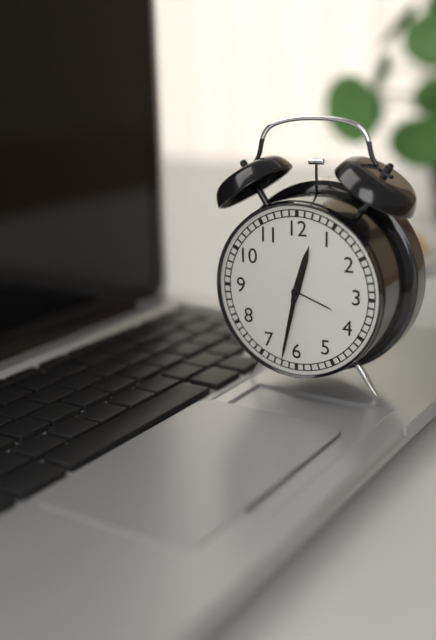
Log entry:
**12:32**
